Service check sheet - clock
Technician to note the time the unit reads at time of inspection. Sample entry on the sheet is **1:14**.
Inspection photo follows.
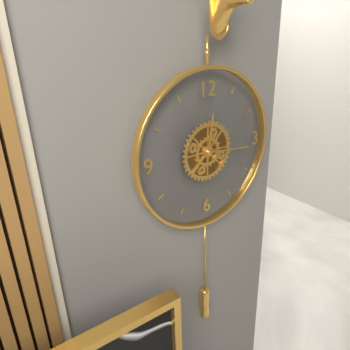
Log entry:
**12:16**
